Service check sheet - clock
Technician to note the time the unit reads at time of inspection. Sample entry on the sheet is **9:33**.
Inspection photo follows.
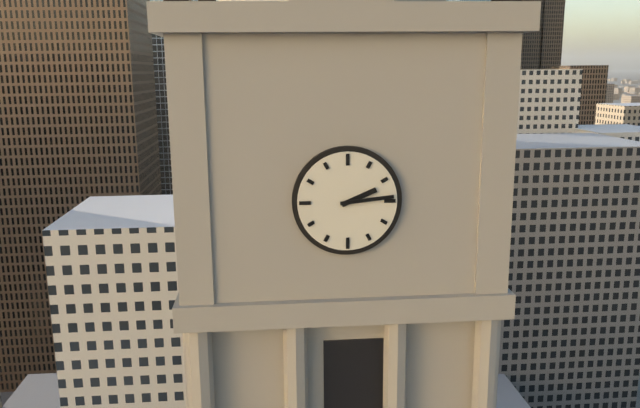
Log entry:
**2:14**
